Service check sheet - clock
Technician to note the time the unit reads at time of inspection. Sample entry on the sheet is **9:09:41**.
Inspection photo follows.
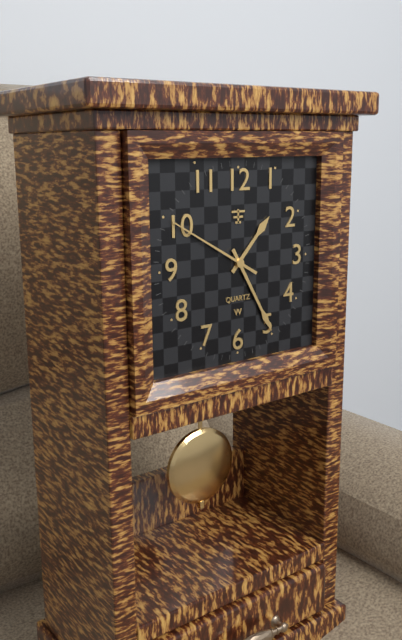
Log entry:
**1:25:50**
